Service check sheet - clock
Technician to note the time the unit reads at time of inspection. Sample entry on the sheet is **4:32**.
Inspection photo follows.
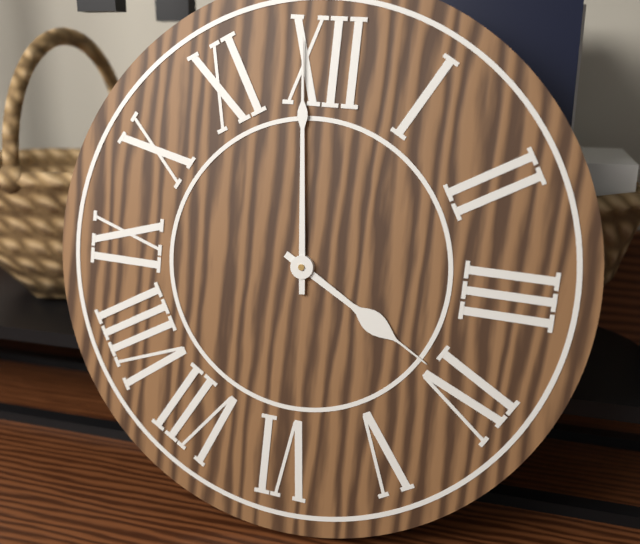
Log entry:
**3:59**
